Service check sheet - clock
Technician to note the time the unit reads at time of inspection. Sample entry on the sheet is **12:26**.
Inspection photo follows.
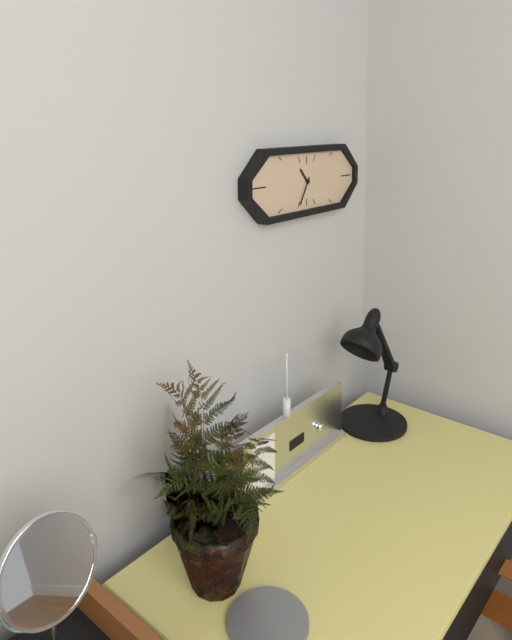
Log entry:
**10:35**
